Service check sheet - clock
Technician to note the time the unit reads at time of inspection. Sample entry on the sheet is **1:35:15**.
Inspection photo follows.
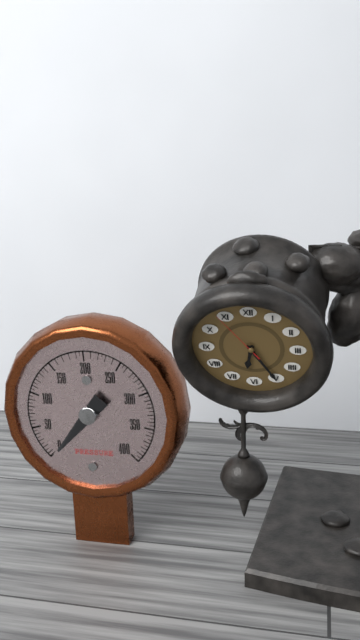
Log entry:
**6:25:54**
